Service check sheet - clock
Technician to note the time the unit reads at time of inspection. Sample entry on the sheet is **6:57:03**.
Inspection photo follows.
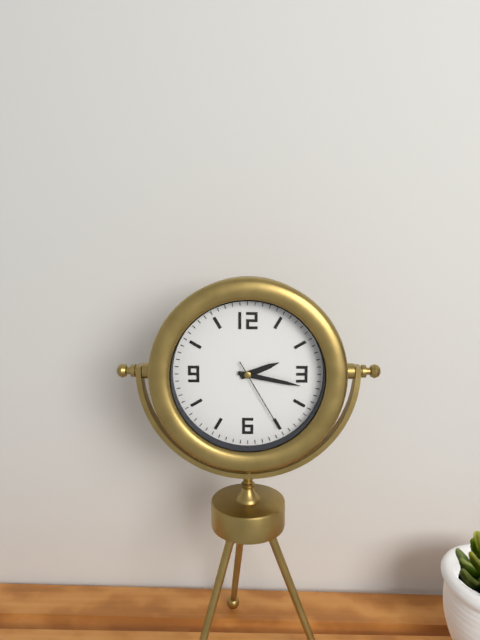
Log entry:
**2:17:25**
